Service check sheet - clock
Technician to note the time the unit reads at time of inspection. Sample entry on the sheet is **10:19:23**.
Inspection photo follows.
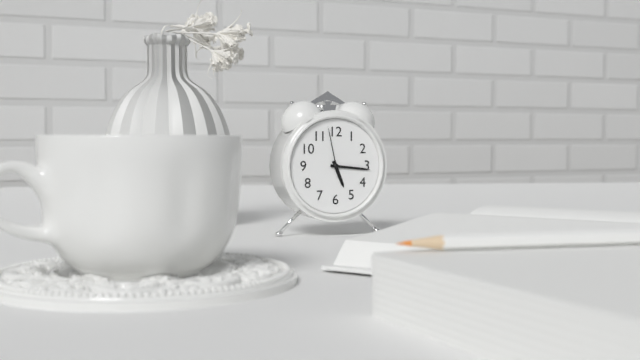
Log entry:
**5:16:58**
